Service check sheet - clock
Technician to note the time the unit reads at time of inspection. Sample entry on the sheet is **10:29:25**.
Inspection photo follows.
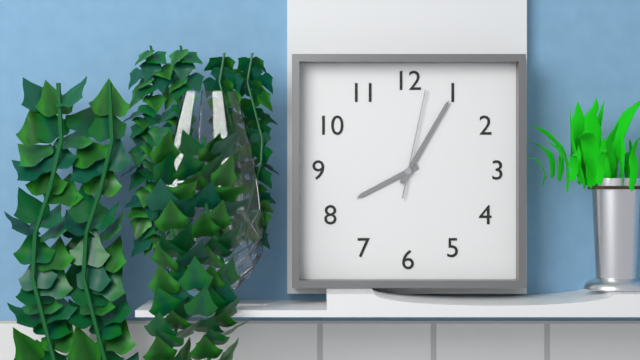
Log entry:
**8:05:02**
